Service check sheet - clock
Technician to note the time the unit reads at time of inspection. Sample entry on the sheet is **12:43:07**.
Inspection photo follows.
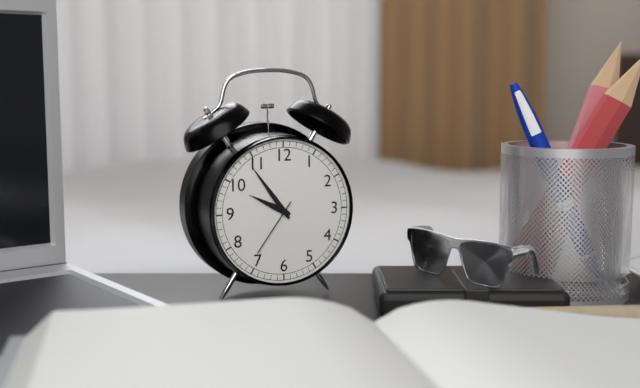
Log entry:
**9:54:36**
